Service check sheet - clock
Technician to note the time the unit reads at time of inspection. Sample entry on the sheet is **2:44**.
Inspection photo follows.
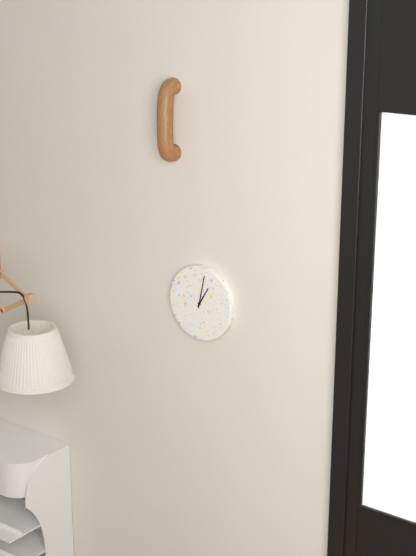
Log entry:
**1:02**
